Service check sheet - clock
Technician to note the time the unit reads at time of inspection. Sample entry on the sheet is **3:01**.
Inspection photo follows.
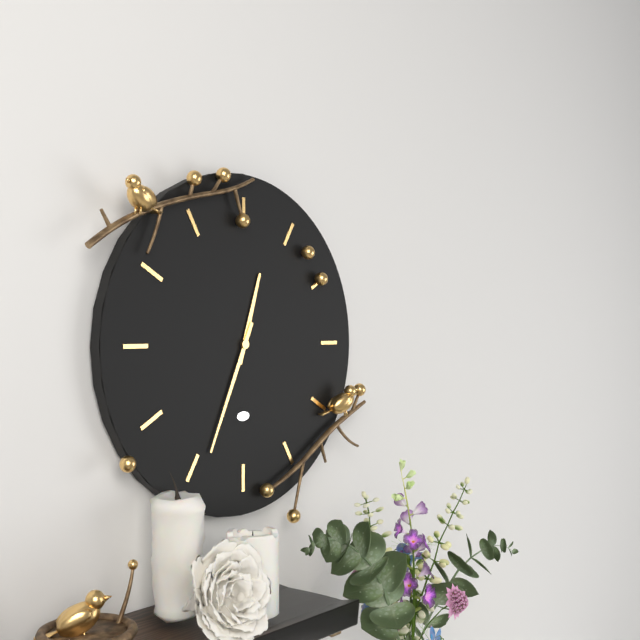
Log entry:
**12:34**
